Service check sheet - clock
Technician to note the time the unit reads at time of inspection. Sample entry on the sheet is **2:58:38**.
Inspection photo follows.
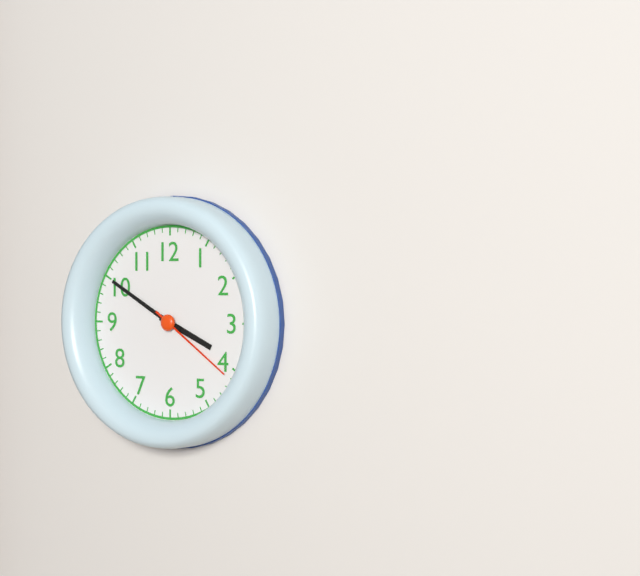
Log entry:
**3:50:21**
